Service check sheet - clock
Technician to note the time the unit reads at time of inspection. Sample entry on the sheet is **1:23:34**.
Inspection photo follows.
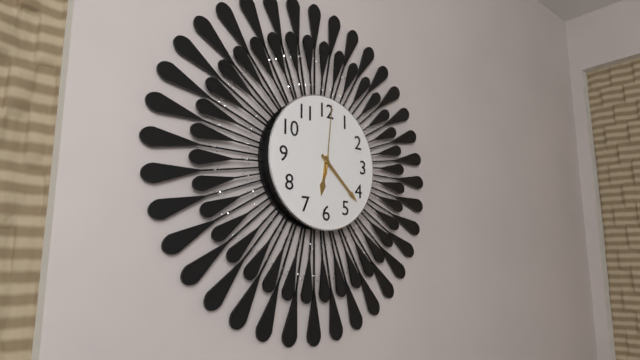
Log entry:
**6:22:01**
